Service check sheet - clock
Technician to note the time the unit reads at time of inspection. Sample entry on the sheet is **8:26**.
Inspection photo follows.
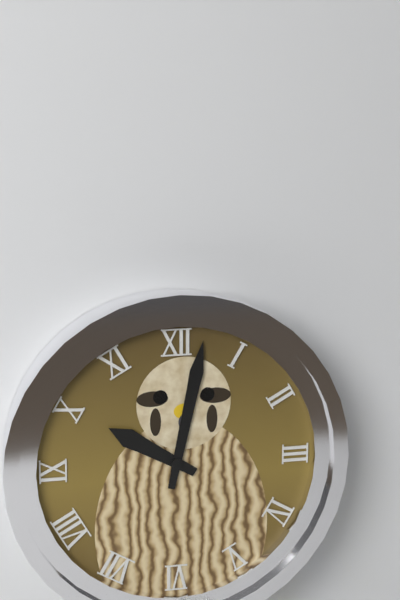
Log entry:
**10:02**
